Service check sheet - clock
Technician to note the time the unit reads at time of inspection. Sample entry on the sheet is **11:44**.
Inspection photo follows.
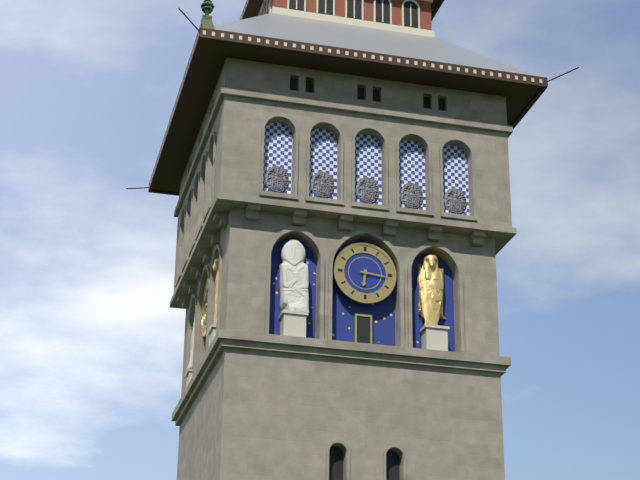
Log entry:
**6:16**
